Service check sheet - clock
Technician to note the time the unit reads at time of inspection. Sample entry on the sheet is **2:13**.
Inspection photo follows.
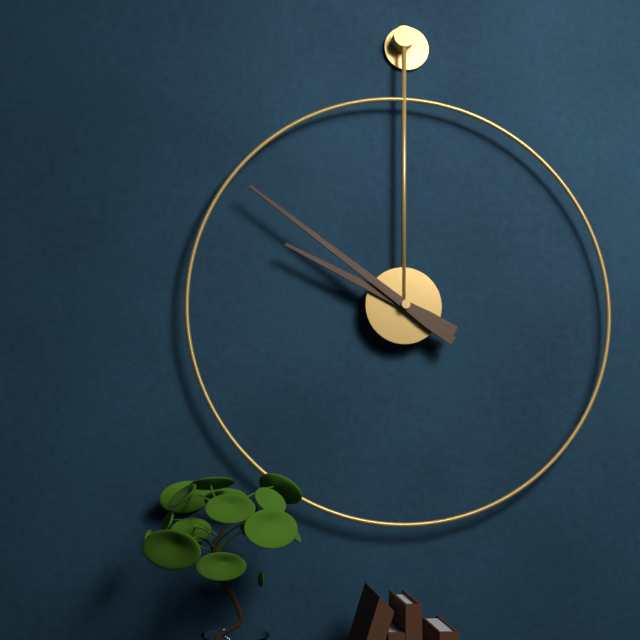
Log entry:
**9:51**
